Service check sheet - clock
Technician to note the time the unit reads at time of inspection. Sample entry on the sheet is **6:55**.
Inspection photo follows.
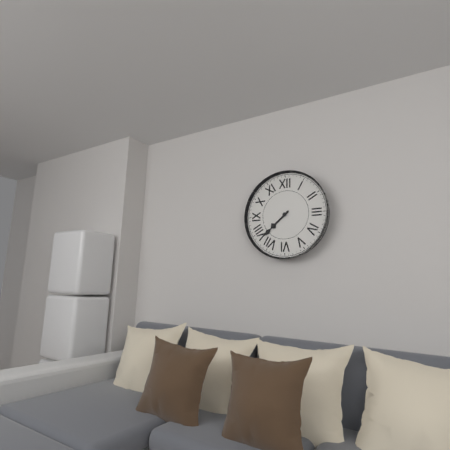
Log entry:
**7:38**
